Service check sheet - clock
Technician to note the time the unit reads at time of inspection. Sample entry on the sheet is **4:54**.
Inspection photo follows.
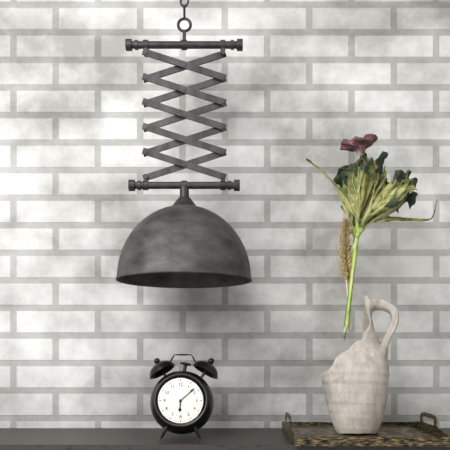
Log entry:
**6:08**
